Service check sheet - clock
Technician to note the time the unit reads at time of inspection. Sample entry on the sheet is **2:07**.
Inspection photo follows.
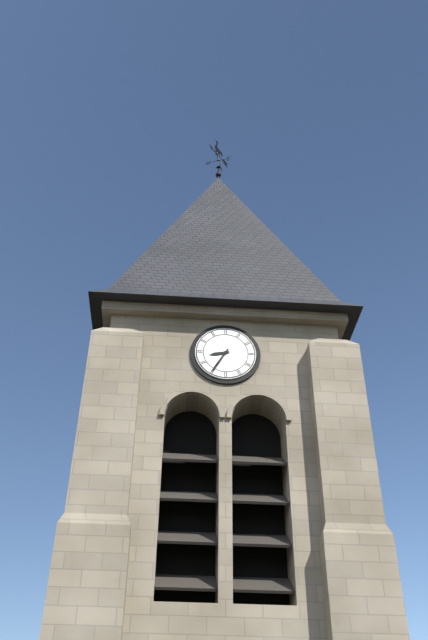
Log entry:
**8:35**
